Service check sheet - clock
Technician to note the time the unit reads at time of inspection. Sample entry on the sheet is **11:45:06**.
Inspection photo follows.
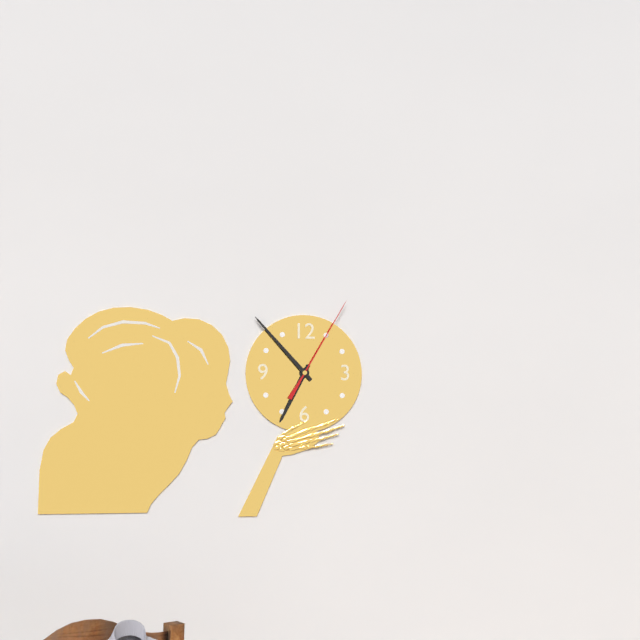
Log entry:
**6:53:05**
